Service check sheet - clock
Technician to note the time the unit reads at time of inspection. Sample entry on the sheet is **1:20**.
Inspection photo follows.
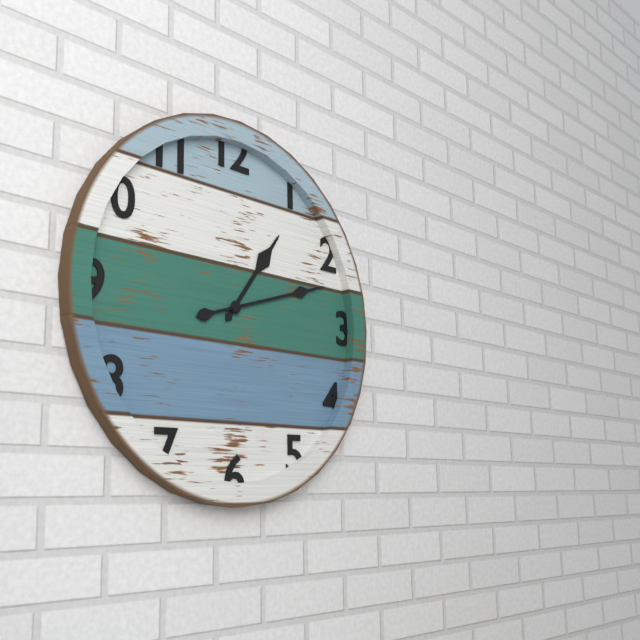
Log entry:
**1:12**
